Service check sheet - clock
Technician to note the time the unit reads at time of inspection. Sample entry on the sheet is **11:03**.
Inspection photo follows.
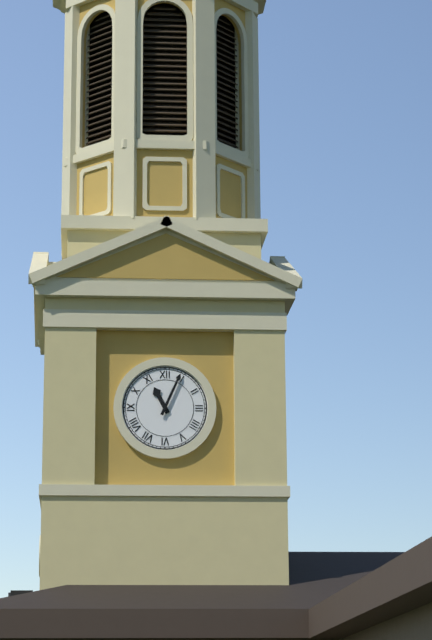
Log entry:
**11:04**
